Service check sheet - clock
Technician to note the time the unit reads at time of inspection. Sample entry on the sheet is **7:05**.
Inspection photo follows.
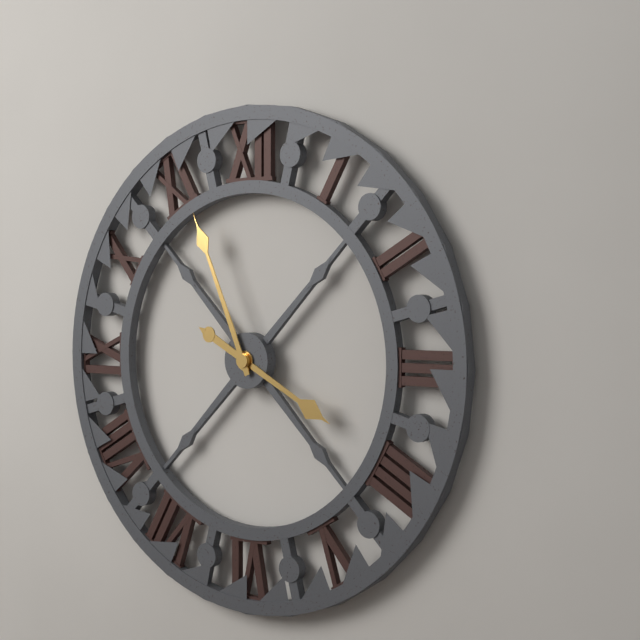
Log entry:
**3:56**
